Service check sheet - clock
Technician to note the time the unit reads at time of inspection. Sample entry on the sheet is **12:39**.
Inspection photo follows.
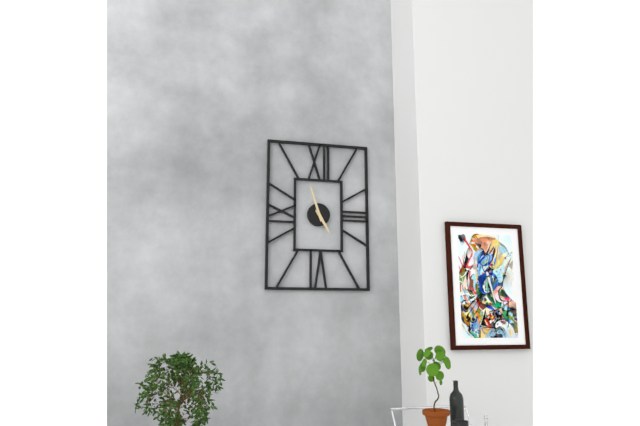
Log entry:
**4:57**
